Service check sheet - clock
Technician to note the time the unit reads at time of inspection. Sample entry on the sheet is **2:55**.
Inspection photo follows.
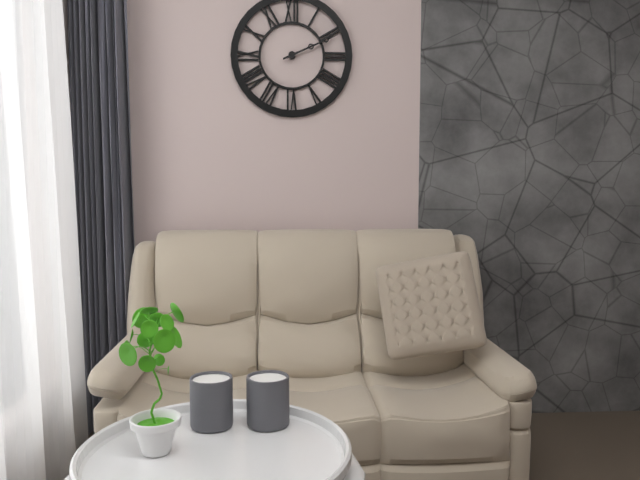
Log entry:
**2:11**
